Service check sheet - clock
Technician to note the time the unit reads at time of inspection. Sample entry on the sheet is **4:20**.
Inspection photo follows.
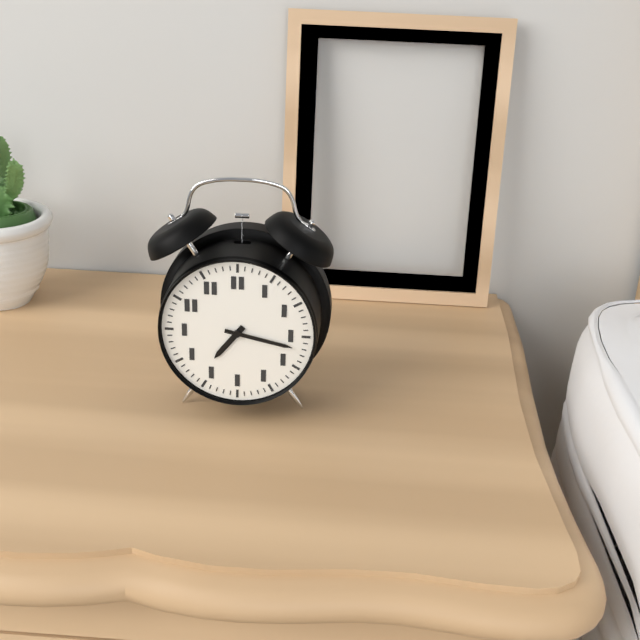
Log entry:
**7:17**
